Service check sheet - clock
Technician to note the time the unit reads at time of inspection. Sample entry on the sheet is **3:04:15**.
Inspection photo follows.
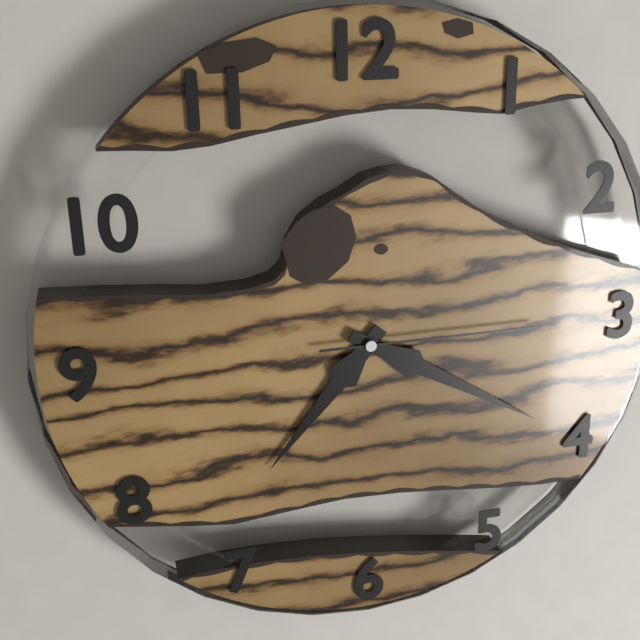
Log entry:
**7:20:15**
